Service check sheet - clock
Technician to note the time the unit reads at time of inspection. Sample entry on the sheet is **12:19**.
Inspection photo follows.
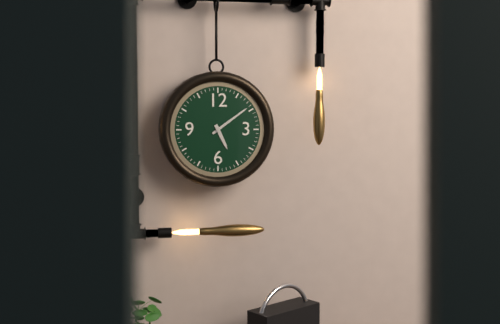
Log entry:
**5:09**
